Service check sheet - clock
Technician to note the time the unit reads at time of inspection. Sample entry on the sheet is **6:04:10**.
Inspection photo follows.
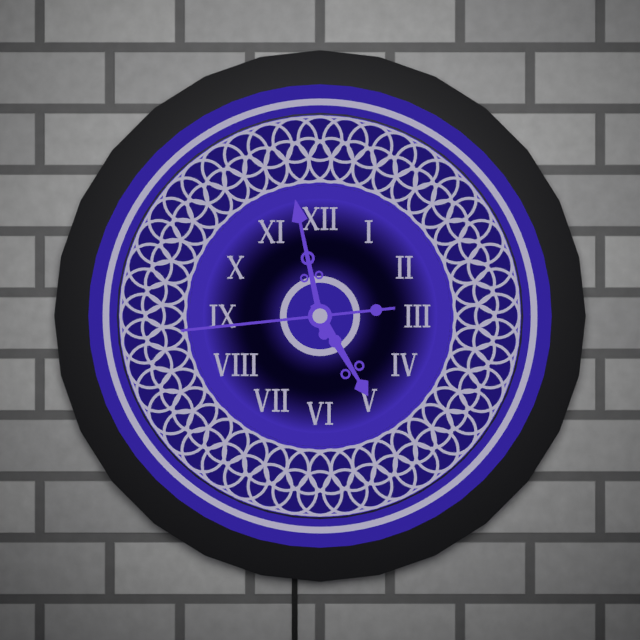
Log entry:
**4:58:44**
